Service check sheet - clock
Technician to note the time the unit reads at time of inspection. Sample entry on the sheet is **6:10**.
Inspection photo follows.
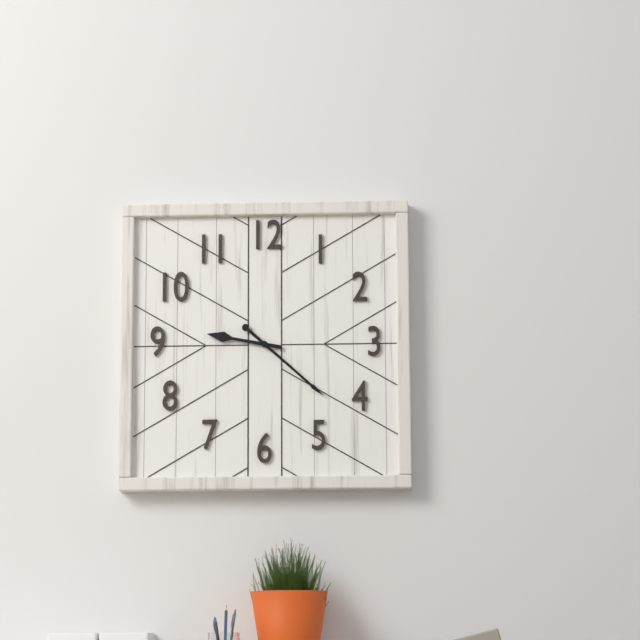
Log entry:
**9:22**
